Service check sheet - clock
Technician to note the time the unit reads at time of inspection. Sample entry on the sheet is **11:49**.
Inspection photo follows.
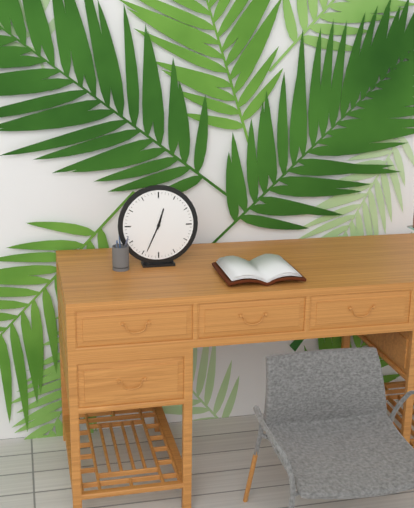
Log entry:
**12:34**
